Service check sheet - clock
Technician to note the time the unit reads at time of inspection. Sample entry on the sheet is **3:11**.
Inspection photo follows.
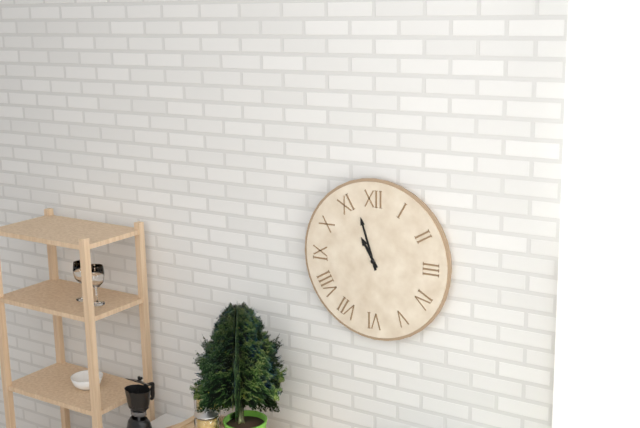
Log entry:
**10:57**
